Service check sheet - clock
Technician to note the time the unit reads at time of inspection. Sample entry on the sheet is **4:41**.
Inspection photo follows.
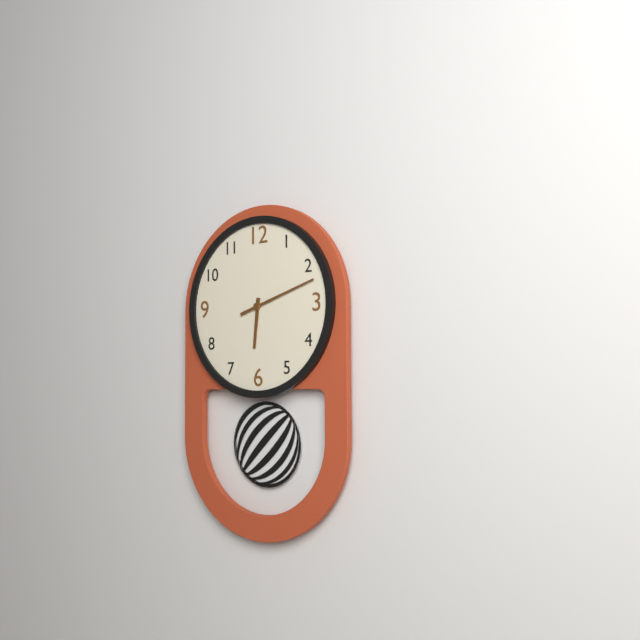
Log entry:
**6:12**
